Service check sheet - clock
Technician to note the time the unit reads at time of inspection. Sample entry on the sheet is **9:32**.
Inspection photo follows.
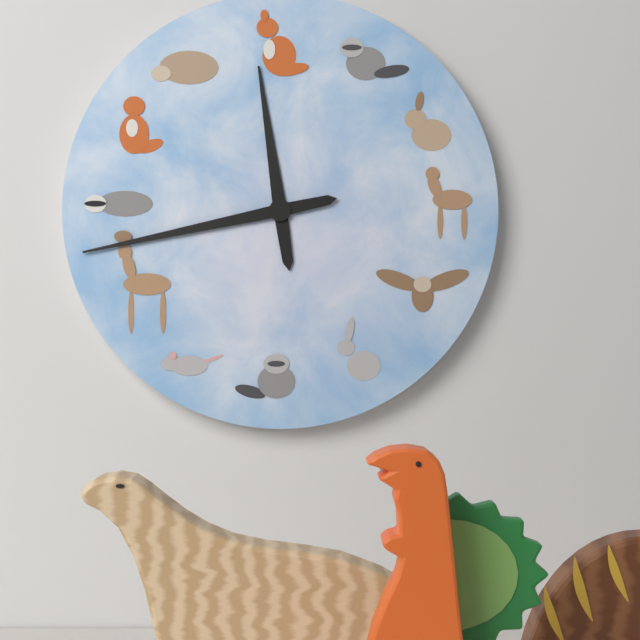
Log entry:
**11:43**
